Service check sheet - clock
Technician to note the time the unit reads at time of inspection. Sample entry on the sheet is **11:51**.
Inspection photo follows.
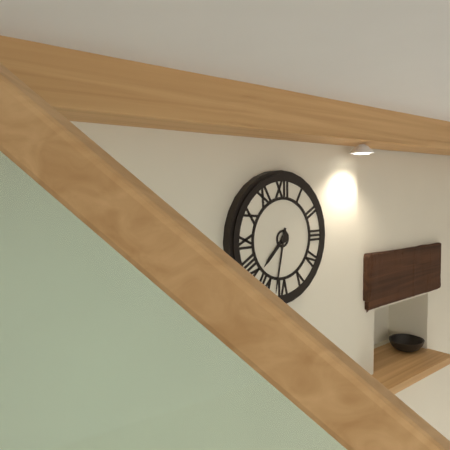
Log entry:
**7:32**
